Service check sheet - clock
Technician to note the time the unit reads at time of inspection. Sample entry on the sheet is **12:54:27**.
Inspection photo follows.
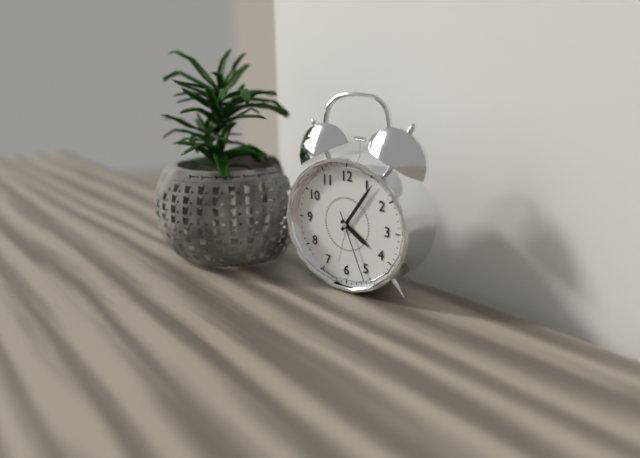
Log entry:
**4:06:26**
